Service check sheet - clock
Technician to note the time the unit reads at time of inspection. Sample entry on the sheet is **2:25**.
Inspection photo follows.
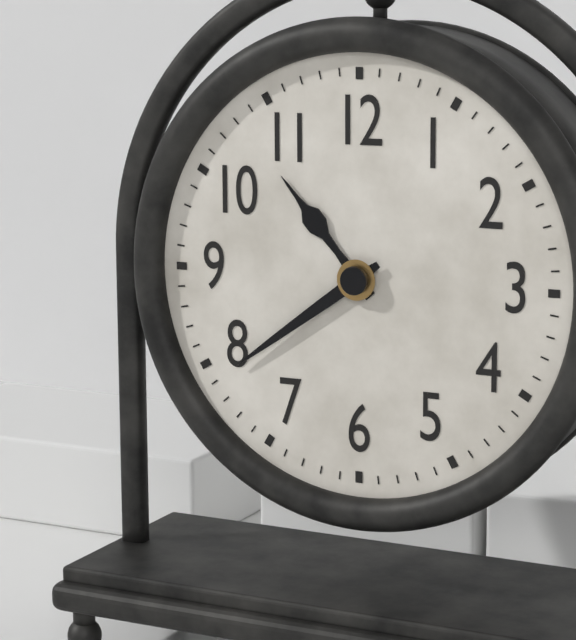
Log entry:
**10:39**
